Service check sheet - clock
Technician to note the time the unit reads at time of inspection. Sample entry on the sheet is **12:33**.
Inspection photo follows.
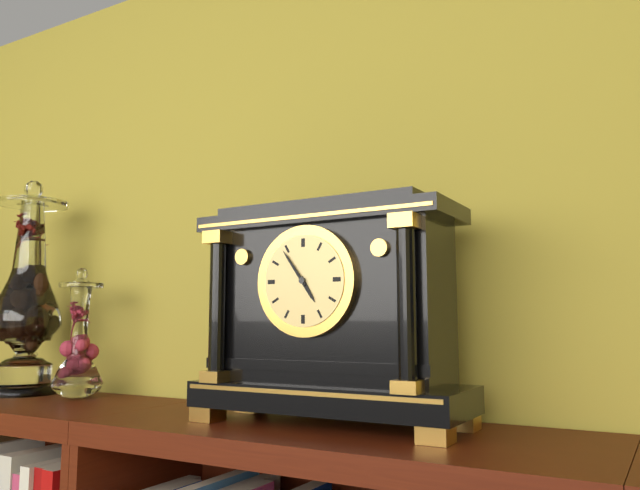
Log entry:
**4:54**
